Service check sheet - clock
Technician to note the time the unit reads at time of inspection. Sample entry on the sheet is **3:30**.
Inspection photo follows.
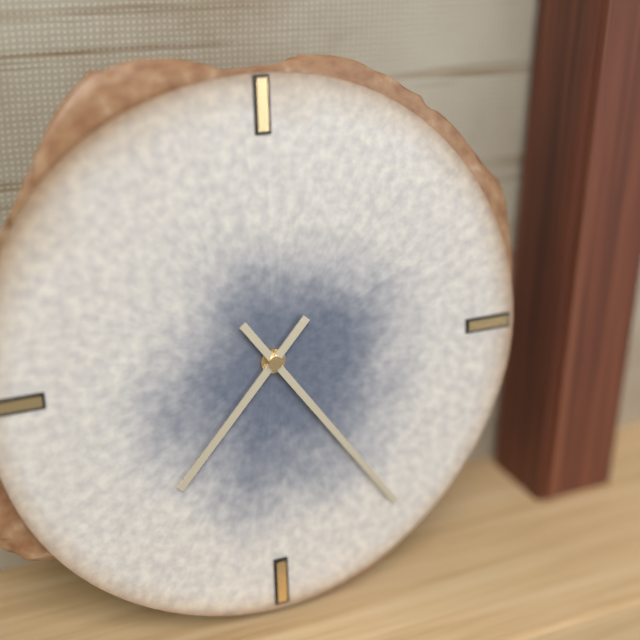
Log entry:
**7:24**
